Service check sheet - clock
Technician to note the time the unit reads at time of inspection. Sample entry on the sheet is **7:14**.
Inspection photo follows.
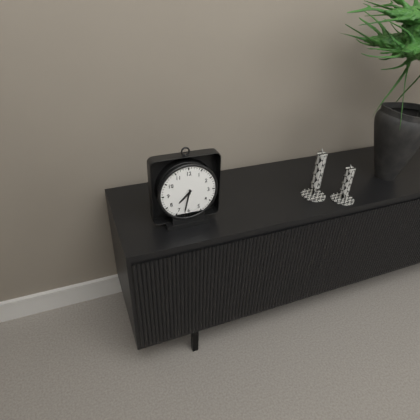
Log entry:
**7:32**
